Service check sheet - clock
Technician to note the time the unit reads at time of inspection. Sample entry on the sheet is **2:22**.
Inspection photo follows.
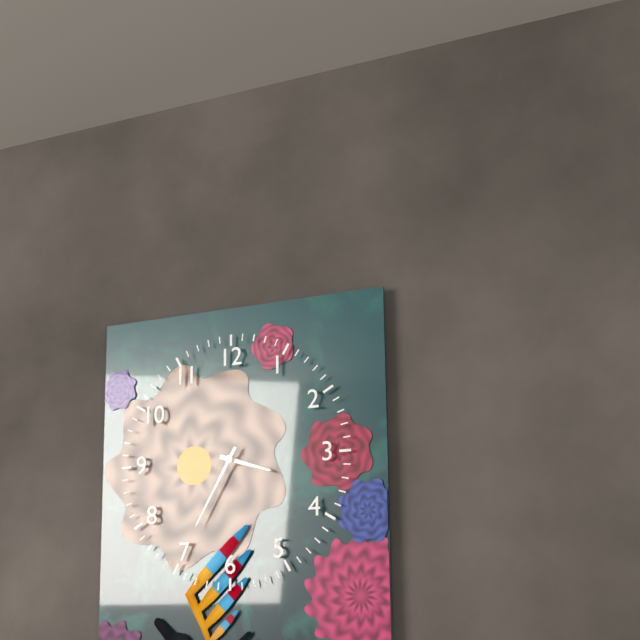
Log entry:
**3:35**
